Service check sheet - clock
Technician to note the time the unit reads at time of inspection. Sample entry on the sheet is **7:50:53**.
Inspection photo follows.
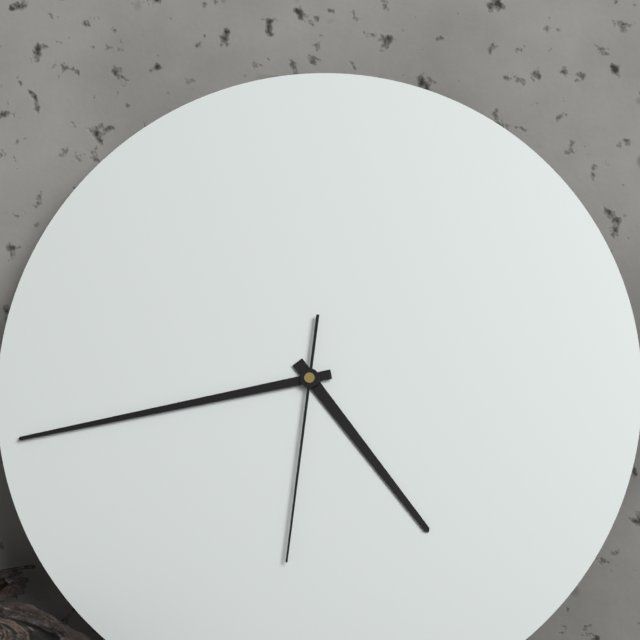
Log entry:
**4:43:31**
